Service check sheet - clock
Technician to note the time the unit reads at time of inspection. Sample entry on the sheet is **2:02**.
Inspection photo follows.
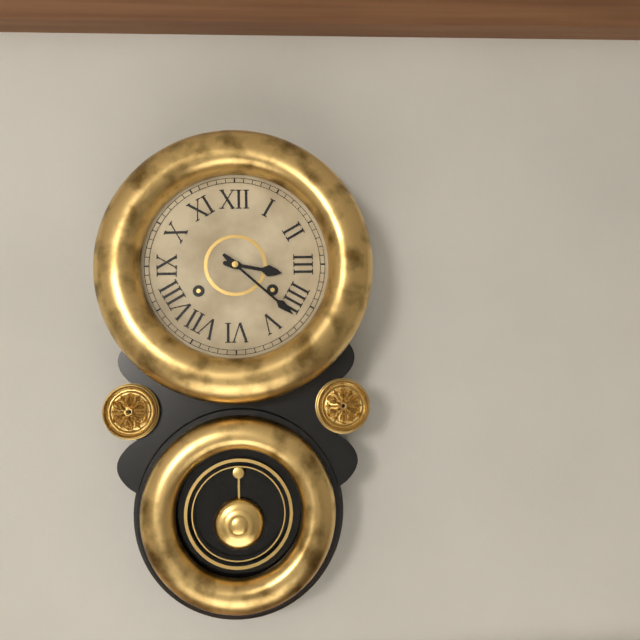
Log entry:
**3:22**
